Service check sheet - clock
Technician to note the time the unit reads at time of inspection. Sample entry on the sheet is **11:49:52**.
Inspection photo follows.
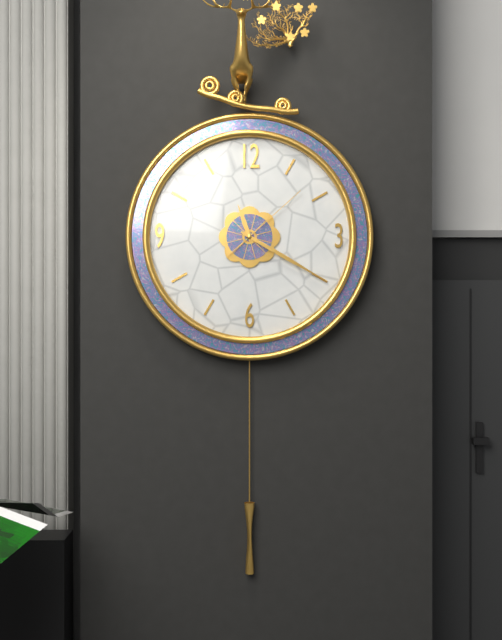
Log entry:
**11:20:08**
